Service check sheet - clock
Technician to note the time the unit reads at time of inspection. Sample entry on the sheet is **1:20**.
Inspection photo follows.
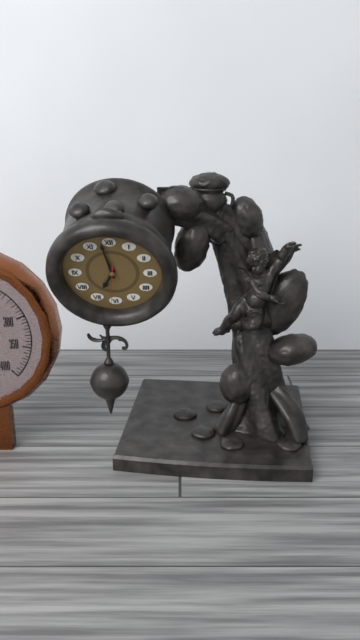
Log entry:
**6:58**
